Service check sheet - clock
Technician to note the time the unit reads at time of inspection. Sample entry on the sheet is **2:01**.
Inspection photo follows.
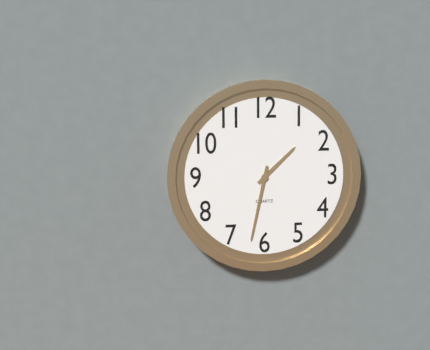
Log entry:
**1:32**
